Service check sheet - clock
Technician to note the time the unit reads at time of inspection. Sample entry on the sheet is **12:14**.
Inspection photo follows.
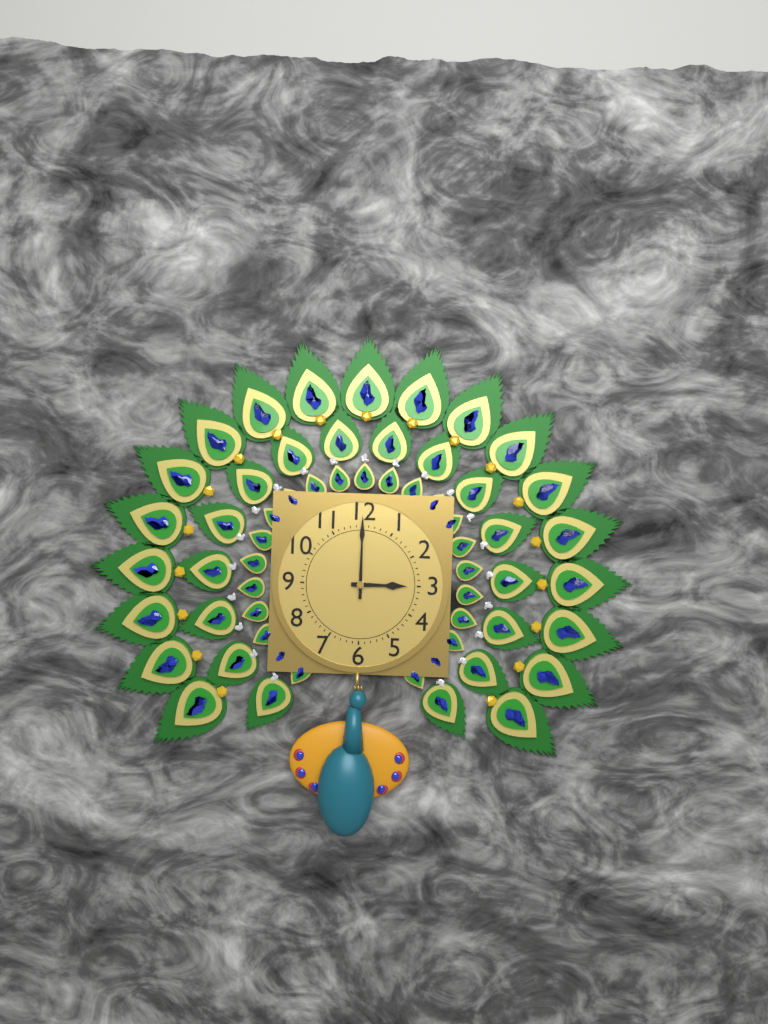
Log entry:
**3:00**
